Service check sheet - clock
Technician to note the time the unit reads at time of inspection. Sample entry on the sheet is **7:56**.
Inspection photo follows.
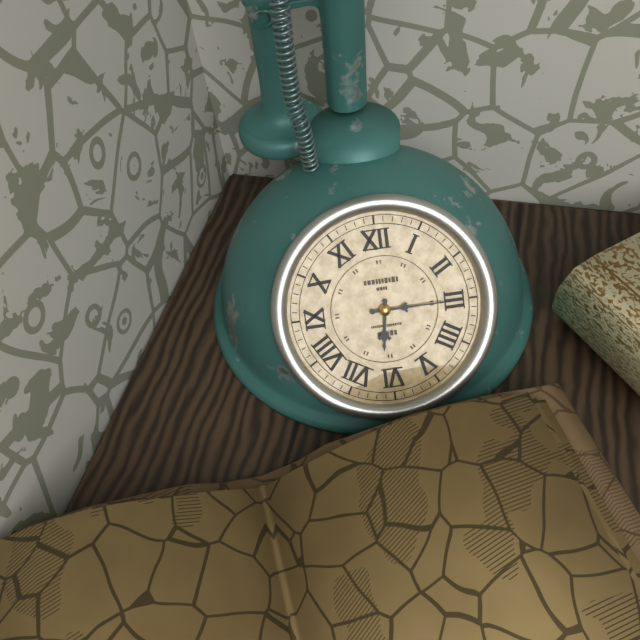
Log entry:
**6:15**
